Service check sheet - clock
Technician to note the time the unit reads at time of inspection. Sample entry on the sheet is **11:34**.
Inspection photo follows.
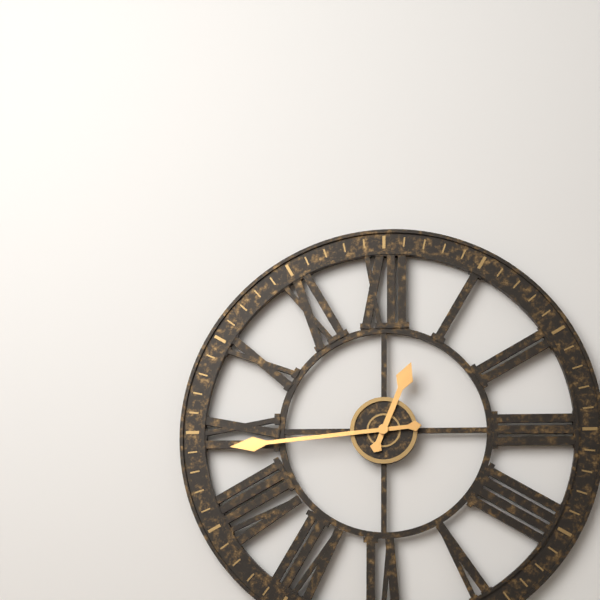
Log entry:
**12:44**
